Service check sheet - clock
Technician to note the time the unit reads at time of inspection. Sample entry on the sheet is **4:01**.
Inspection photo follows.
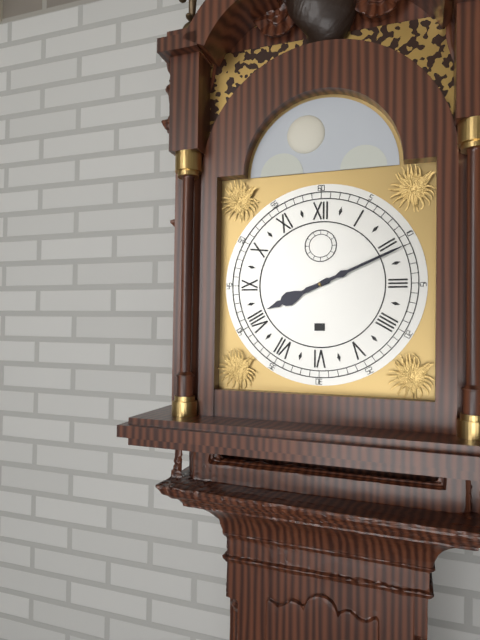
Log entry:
**8:11**
